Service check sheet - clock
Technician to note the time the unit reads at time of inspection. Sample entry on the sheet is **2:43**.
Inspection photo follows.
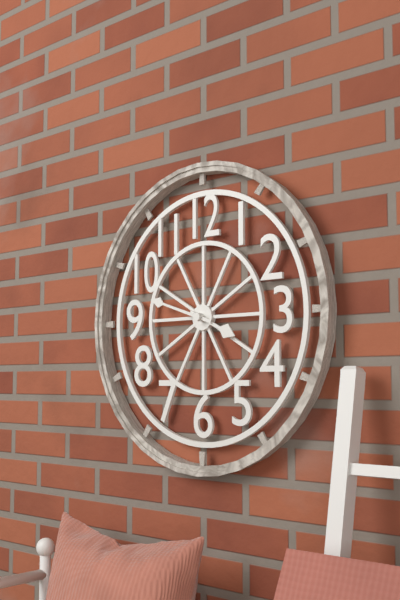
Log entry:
**3:48**
